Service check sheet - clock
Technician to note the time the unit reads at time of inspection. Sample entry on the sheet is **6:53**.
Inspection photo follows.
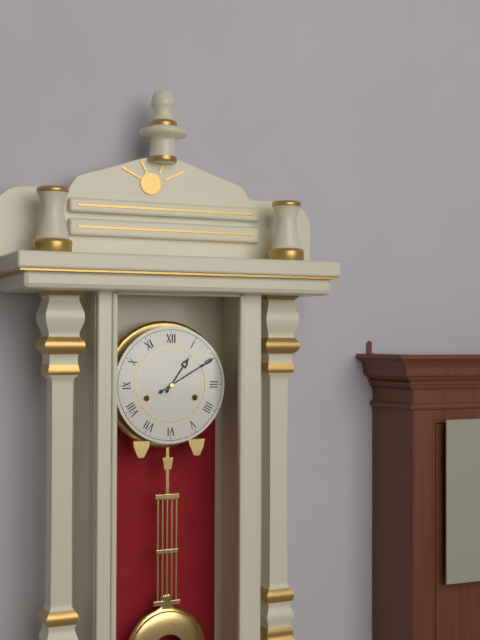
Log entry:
**1:10**
